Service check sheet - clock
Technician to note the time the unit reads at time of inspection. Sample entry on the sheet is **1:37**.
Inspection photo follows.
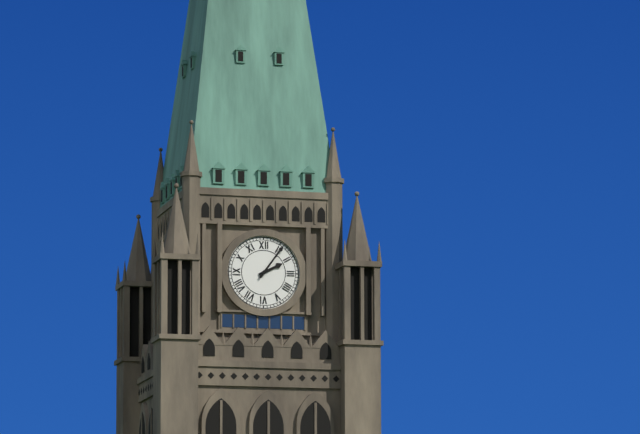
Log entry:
**2:06**
